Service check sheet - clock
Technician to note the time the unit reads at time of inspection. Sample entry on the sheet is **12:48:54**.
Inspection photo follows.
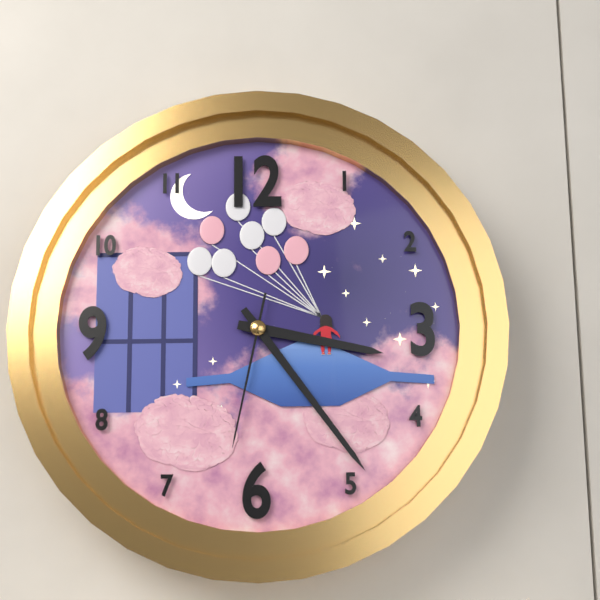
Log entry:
**3:24:32**
